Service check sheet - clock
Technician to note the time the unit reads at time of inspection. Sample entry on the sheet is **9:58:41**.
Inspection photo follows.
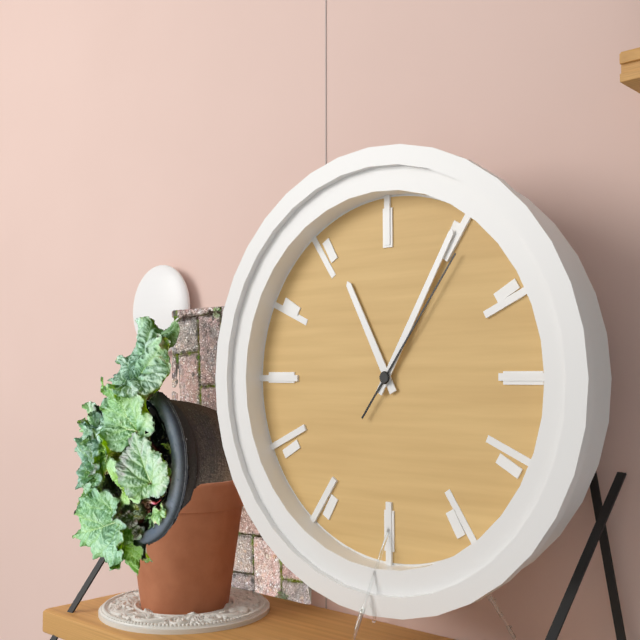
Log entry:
**11:05:06**
